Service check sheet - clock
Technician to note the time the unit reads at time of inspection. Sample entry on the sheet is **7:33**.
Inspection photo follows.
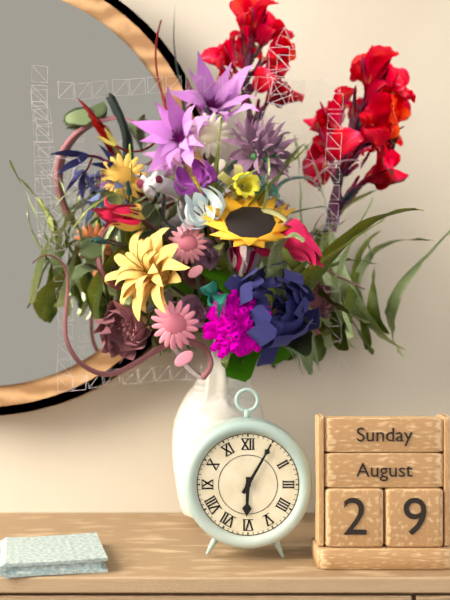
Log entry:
**6:05**
